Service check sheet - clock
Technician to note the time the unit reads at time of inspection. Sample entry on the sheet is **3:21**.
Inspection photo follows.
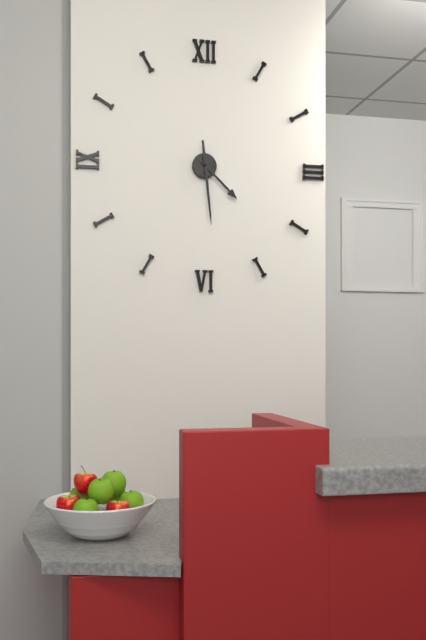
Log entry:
**4:29**
